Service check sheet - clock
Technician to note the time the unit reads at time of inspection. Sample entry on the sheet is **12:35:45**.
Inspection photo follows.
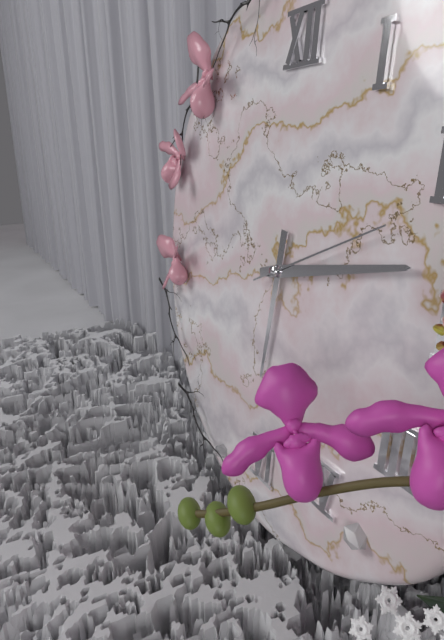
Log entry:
**6:13:11**
